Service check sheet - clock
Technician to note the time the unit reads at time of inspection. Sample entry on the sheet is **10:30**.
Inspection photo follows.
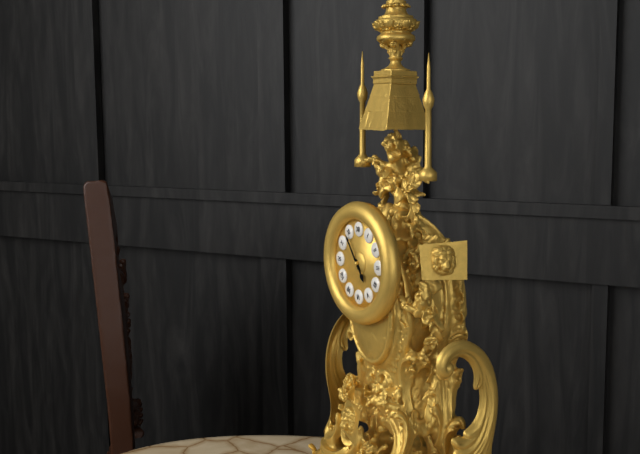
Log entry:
**4:54**
